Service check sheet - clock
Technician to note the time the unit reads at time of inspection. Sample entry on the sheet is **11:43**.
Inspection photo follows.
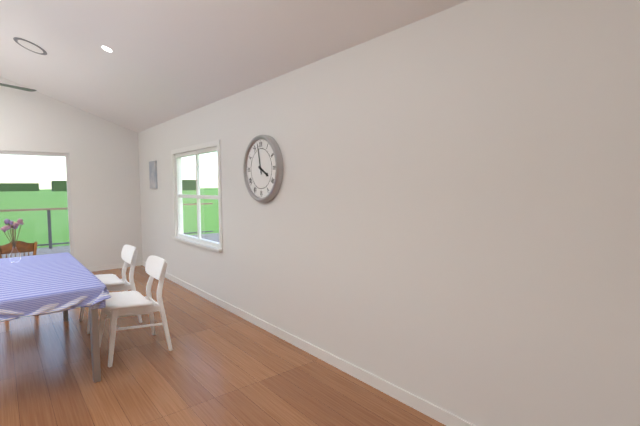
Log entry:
**3:58**
